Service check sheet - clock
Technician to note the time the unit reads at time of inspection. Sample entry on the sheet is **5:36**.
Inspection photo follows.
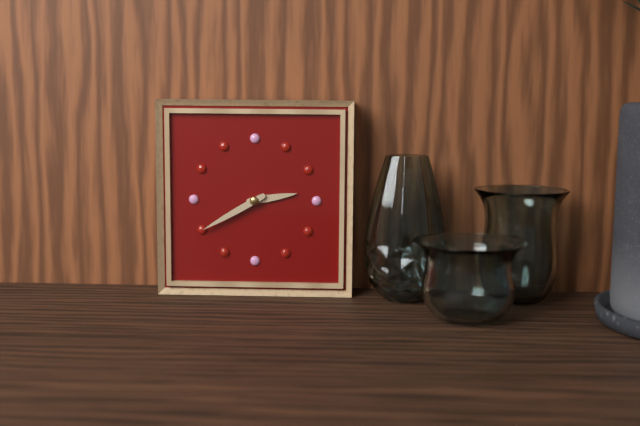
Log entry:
**2:40**
